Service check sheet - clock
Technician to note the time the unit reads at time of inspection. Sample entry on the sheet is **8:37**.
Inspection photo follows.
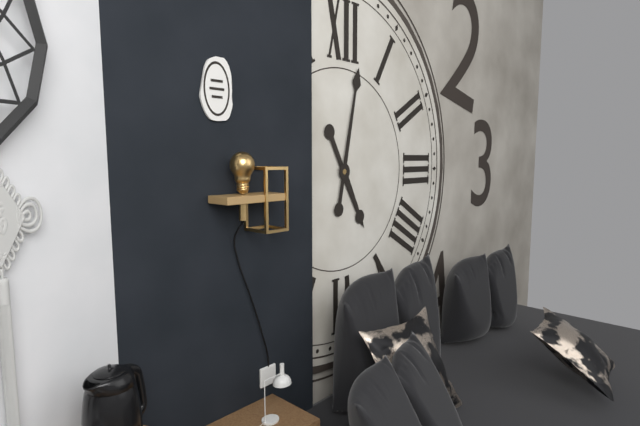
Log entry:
**5:02**
